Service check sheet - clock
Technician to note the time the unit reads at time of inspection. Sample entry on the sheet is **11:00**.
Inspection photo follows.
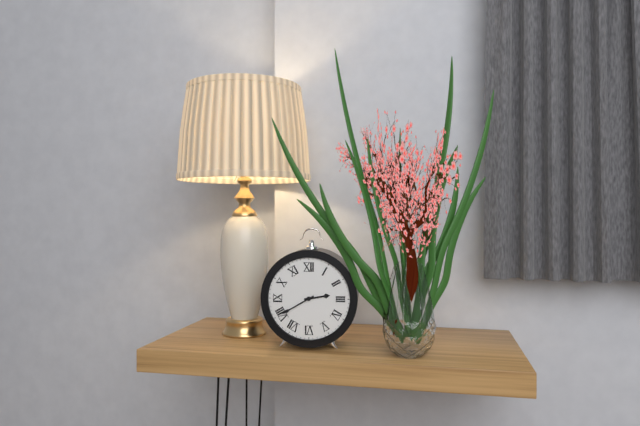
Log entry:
**2:40**
